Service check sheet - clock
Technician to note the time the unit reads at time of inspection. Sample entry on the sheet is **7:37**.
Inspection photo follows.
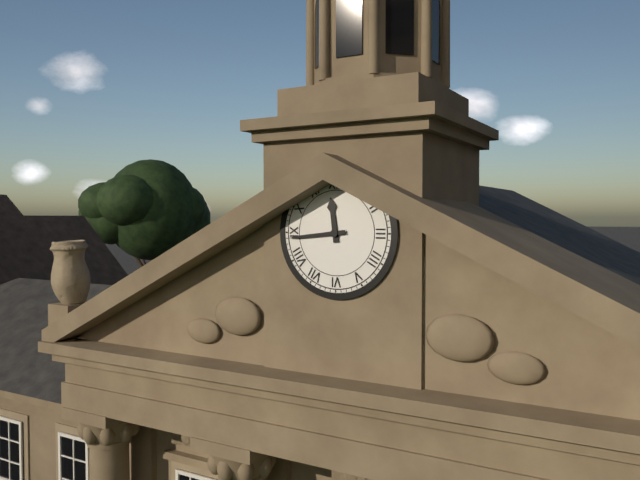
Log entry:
**11:44**
